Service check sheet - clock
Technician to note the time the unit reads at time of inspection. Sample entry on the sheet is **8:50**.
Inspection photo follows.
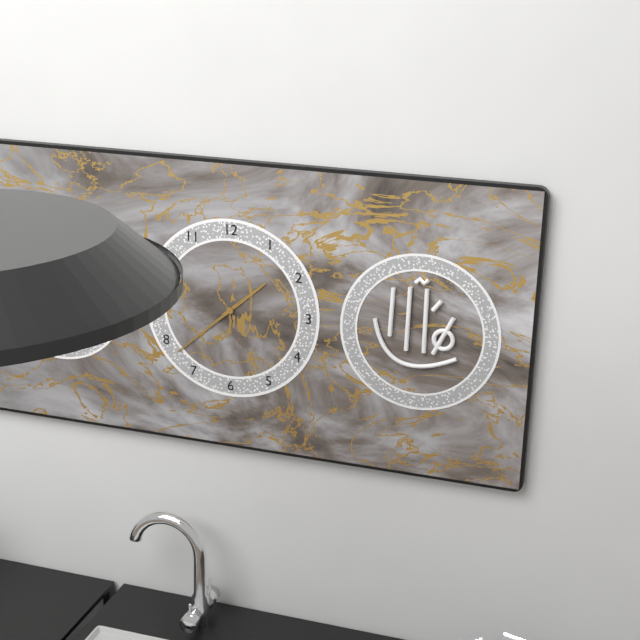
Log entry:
**1:38**
